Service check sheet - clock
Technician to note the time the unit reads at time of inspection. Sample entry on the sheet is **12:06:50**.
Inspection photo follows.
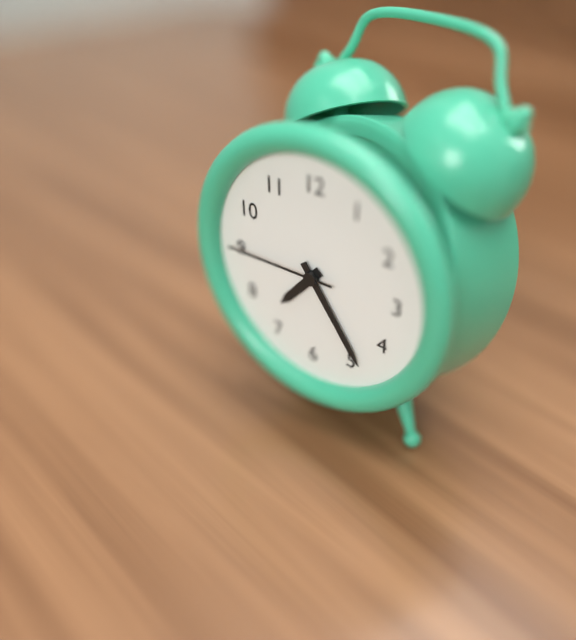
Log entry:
**7:24:45**
